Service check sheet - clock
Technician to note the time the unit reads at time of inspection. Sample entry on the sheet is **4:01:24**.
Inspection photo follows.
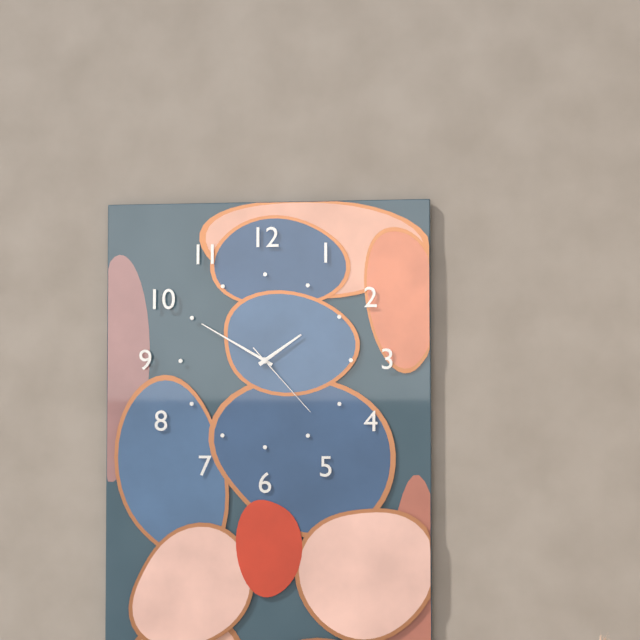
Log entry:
**1:50:23**
